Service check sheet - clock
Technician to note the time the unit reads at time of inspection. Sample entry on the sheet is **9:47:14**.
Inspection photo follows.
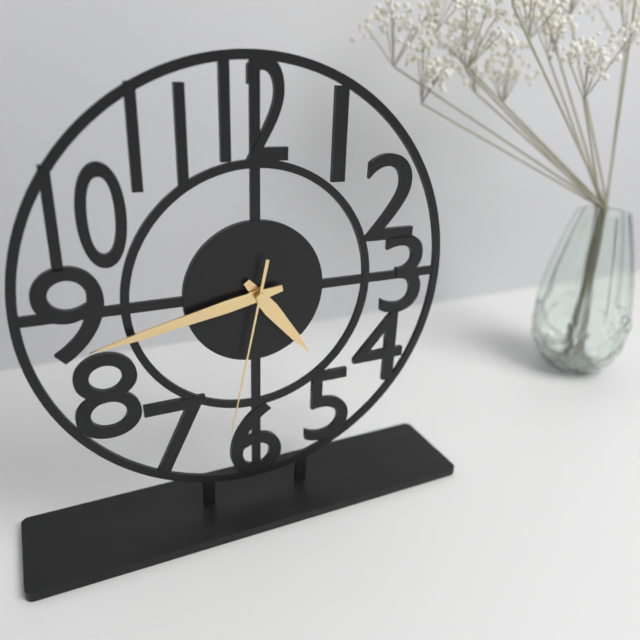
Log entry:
**4:43:32**
